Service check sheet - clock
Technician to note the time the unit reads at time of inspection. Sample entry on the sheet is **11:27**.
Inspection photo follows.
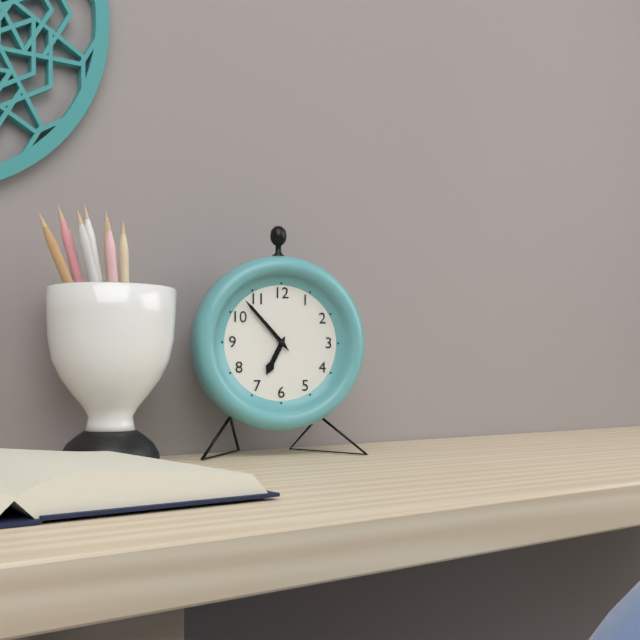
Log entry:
**6:53**
